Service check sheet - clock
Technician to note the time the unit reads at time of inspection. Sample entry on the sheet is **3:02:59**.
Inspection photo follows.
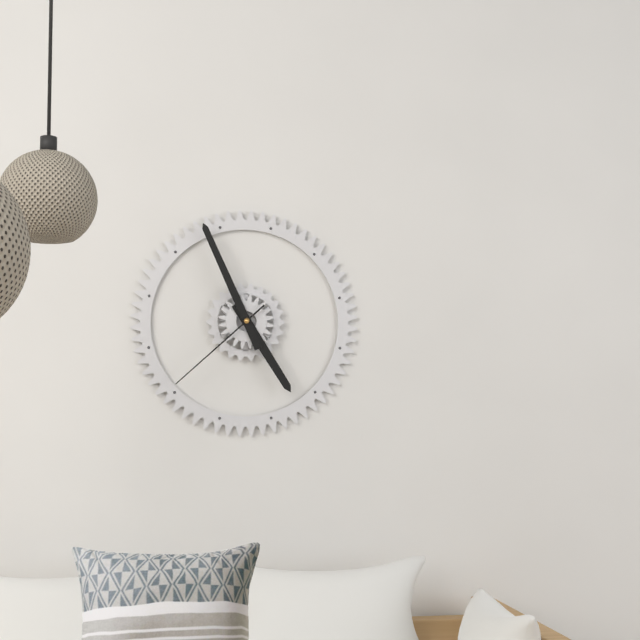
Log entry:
**4:56:38**
